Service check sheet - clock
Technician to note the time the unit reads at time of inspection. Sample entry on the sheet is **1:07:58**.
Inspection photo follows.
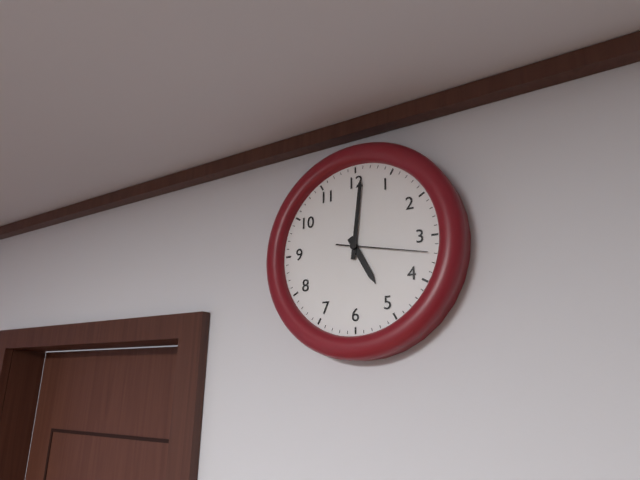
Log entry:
**5:01:17**
